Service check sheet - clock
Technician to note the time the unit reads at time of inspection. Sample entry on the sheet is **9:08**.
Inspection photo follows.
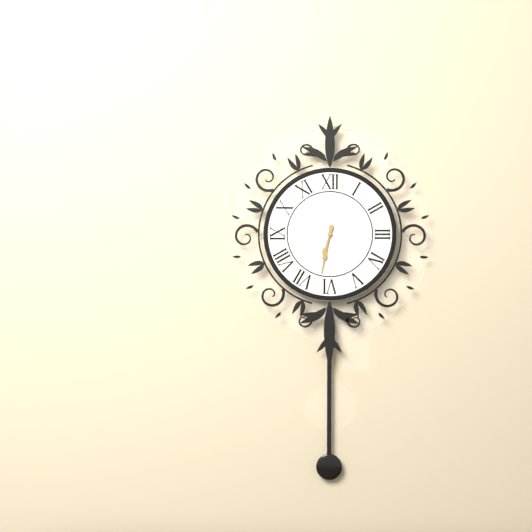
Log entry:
**6:32**
